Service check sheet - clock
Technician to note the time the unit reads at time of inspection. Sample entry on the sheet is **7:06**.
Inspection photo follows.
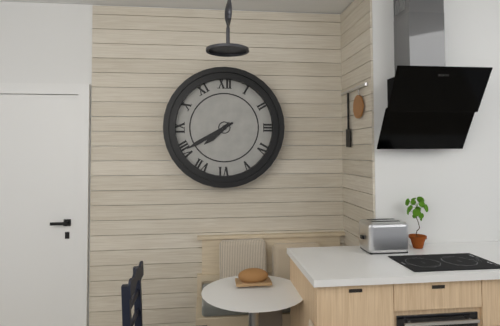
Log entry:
**7:40**
